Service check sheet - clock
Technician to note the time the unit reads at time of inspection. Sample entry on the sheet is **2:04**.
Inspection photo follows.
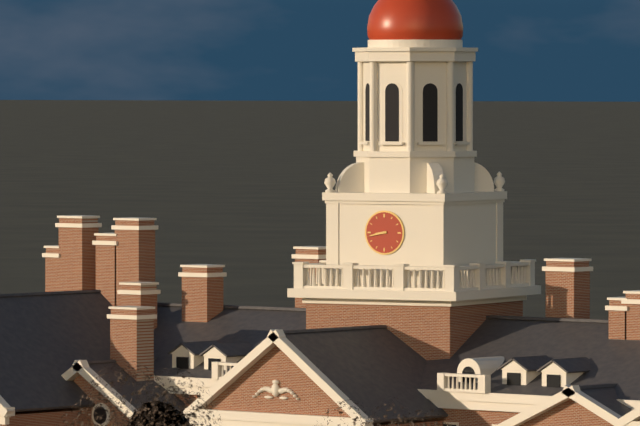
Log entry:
**8:43**
